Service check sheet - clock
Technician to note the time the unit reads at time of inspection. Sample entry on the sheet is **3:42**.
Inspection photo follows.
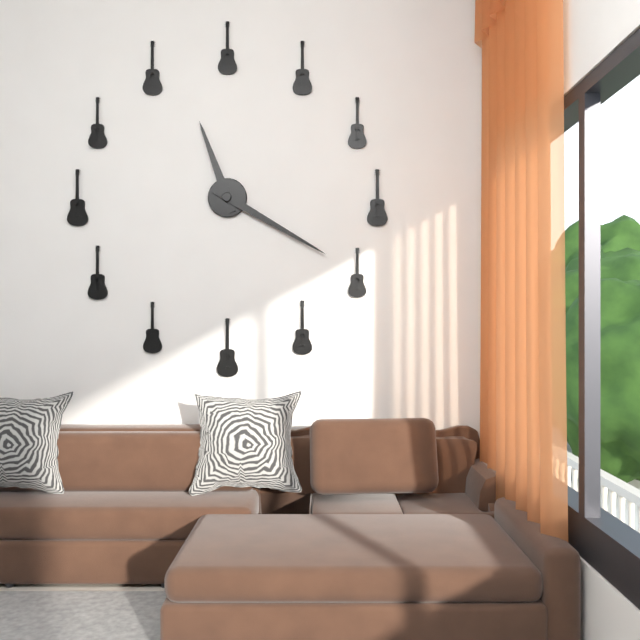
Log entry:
**11:20**
